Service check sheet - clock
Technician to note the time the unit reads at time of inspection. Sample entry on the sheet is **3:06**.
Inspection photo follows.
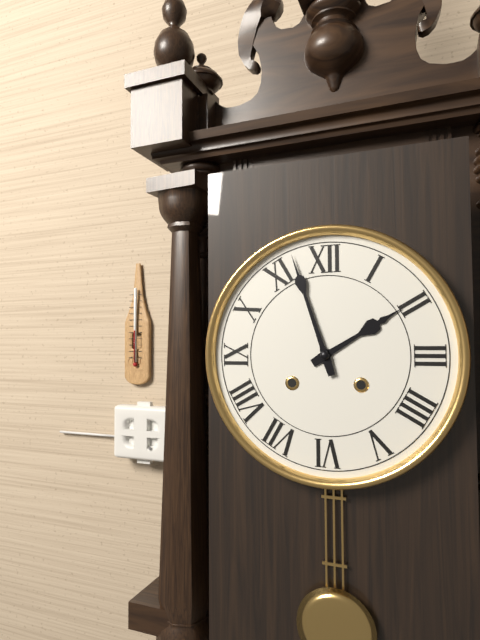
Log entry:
**1:57**
